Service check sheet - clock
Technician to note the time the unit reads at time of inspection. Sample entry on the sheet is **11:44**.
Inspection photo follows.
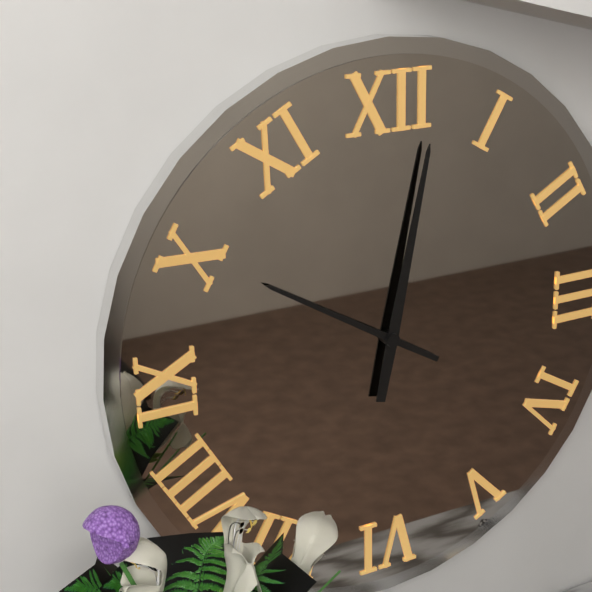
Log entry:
**10:02**
